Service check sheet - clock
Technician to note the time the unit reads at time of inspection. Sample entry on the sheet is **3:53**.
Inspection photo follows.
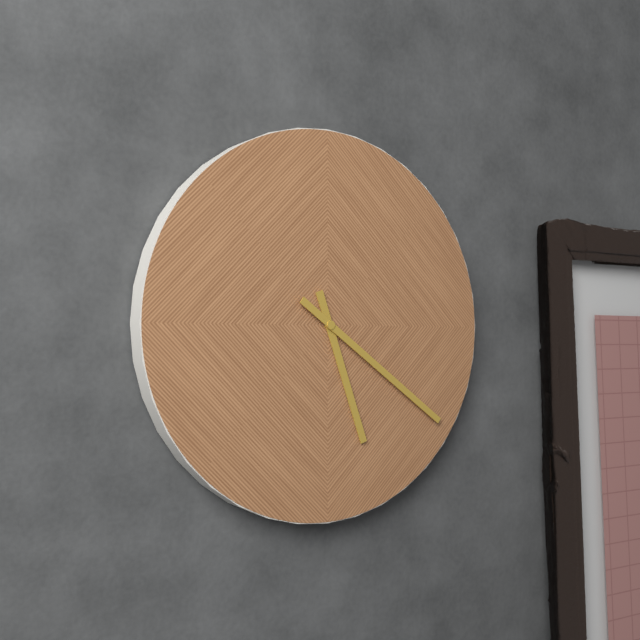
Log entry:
**5:21**
